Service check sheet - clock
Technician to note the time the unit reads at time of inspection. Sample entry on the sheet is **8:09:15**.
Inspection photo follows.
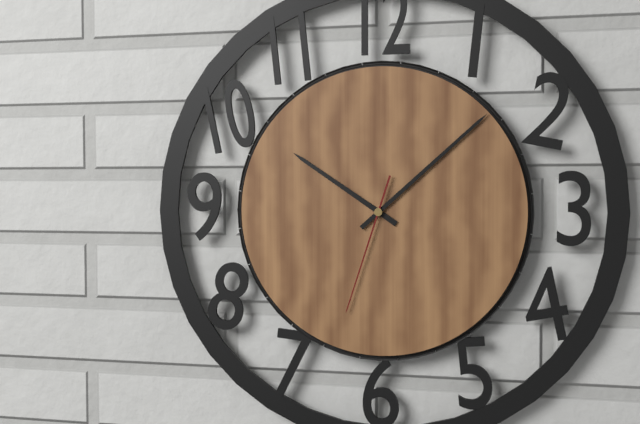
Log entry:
**10:08:33**
